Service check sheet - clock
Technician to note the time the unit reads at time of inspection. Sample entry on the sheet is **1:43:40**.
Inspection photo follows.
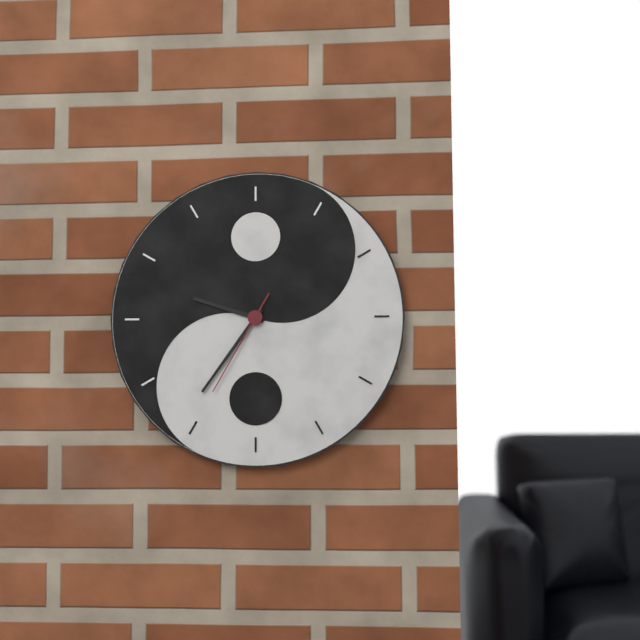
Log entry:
**9:36:35**
